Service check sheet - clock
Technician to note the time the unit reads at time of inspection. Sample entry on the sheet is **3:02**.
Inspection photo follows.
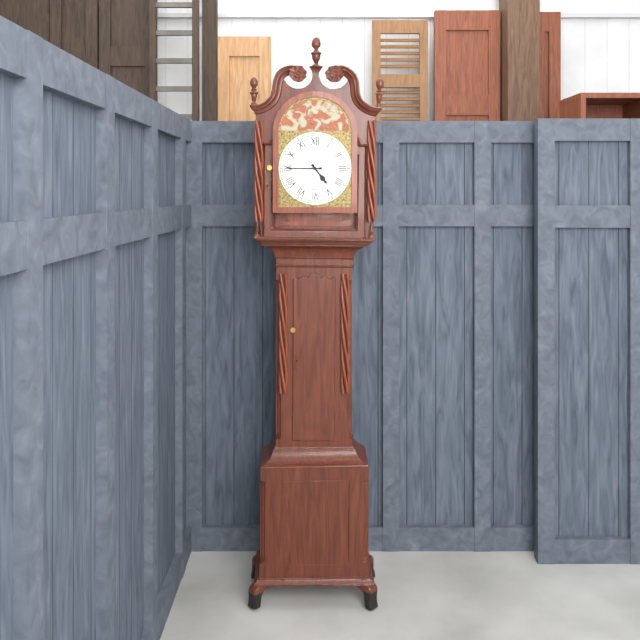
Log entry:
**4:45**
